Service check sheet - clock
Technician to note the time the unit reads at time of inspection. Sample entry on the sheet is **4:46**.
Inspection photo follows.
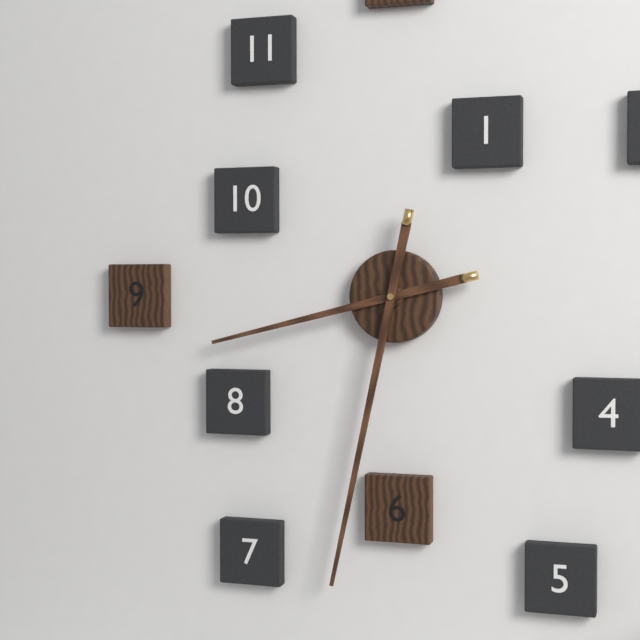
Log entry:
**8:32**
